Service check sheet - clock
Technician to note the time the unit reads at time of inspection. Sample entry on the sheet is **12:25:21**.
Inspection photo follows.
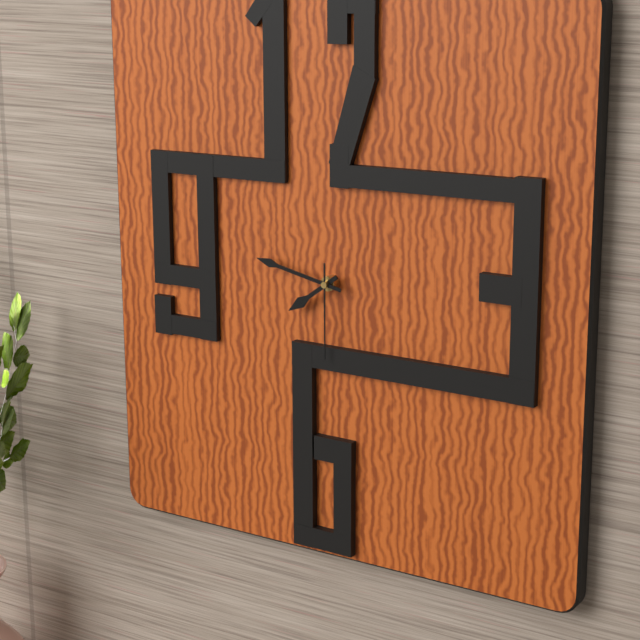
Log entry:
**7:47:30**
